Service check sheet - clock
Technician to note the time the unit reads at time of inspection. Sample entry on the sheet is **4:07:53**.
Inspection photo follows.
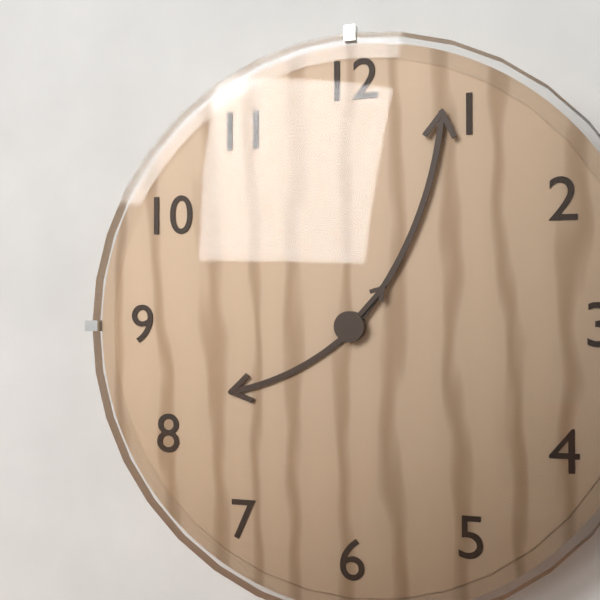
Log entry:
**8:04:07**
